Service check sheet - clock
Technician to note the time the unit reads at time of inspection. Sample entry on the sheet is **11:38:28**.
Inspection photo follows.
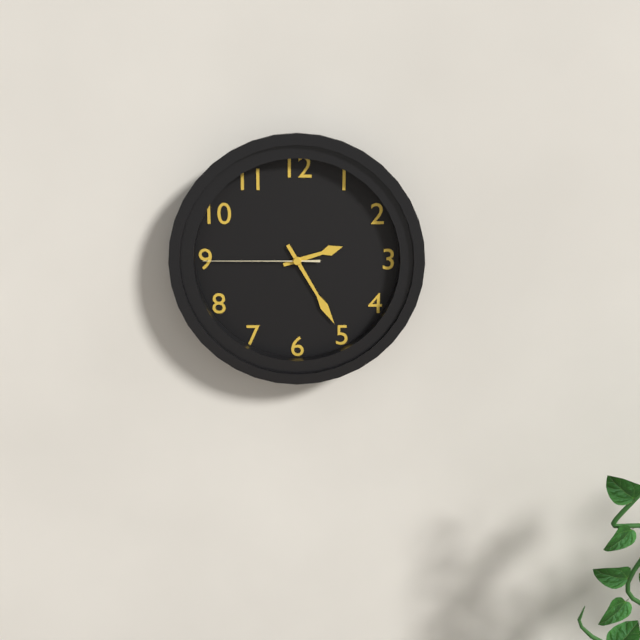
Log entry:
**2:25:45**
